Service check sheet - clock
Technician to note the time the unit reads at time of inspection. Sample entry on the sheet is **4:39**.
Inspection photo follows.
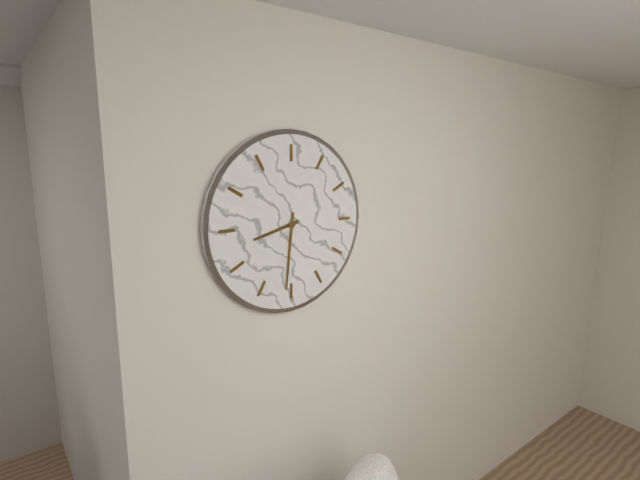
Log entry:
**8:31**
